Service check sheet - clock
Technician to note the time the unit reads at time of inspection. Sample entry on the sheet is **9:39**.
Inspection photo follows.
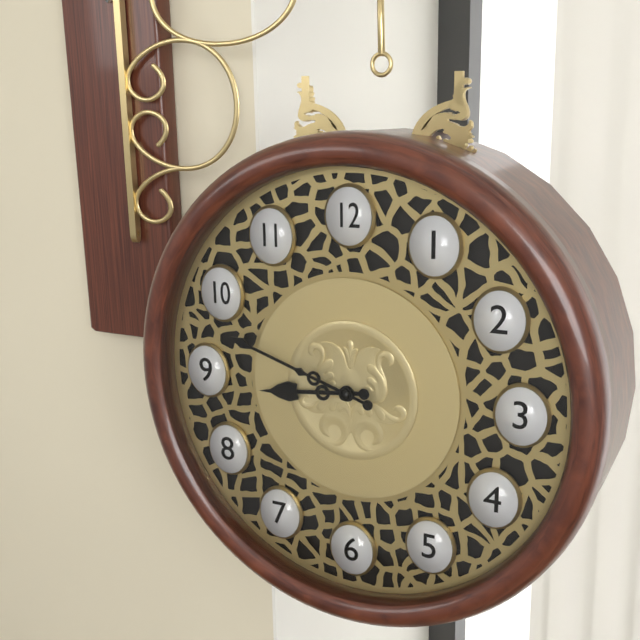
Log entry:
**8:48**
